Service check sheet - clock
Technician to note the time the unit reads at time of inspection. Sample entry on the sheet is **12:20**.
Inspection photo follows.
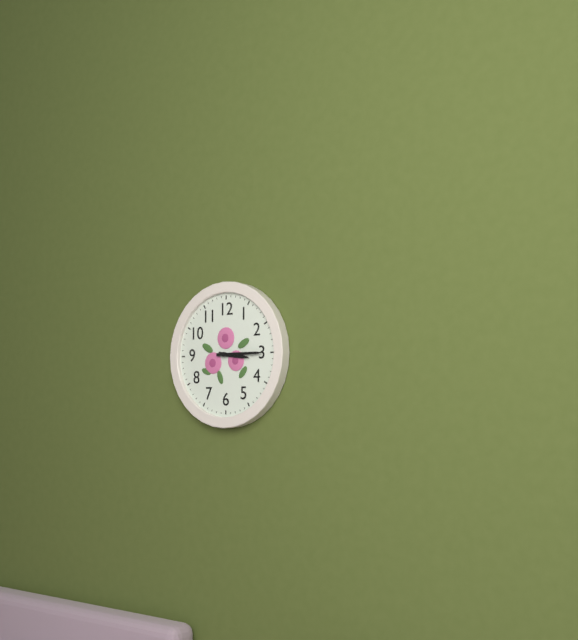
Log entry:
**3:15**
